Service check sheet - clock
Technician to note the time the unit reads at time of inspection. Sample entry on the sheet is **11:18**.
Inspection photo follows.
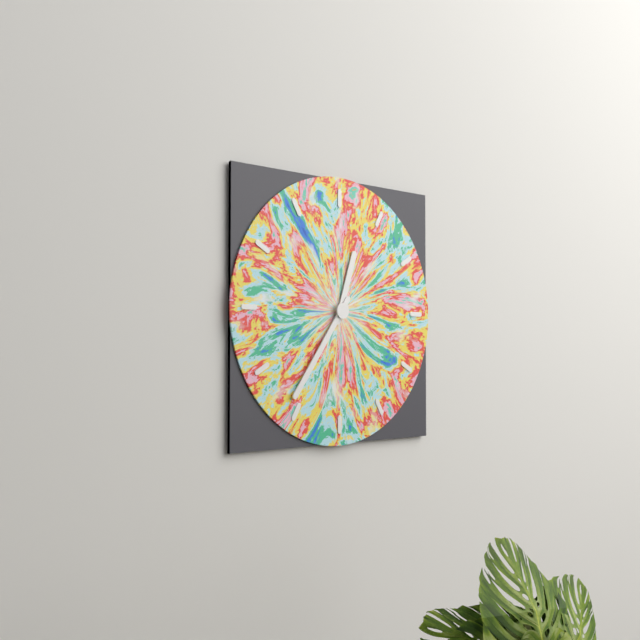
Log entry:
**12:36**
